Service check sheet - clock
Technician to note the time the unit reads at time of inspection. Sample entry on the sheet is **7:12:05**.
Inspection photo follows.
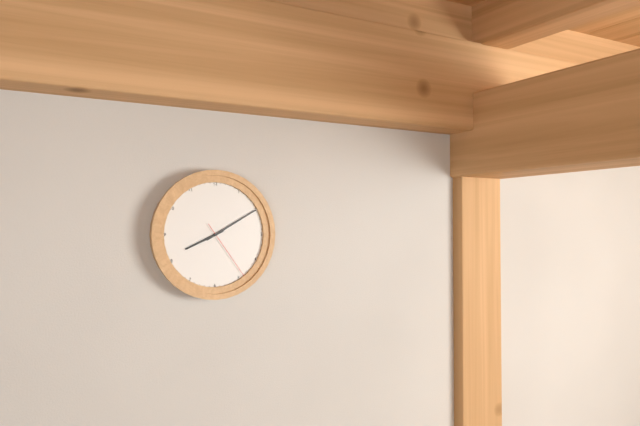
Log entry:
**8:10:24**
